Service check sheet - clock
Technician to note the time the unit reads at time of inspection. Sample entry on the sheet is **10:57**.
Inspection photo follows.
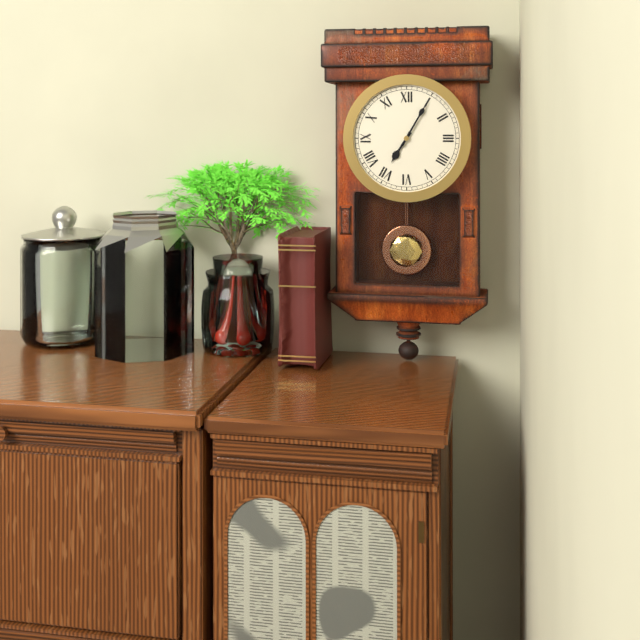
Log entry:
**7:05**
